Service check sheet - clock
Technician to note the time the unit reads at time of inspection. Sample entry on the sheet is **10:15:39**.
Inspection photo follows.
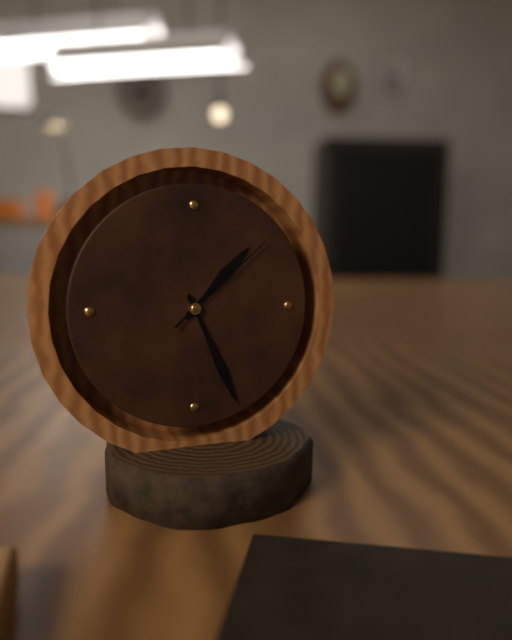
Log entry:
**1:26:08**
